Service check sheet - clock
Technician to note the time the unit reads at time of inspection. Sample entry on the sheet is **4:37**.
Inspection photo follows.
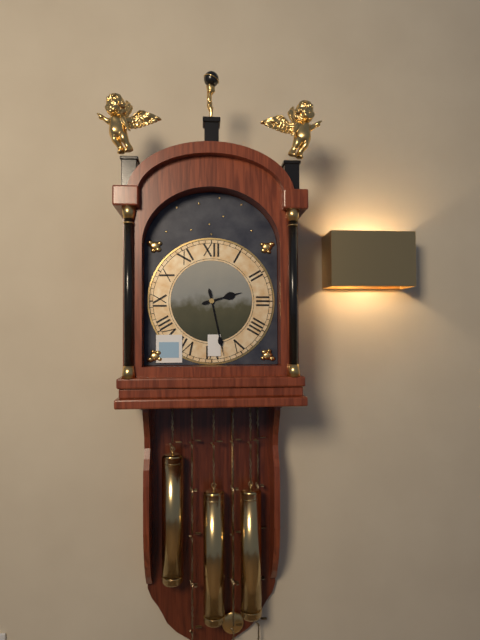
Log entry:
**2:28**
